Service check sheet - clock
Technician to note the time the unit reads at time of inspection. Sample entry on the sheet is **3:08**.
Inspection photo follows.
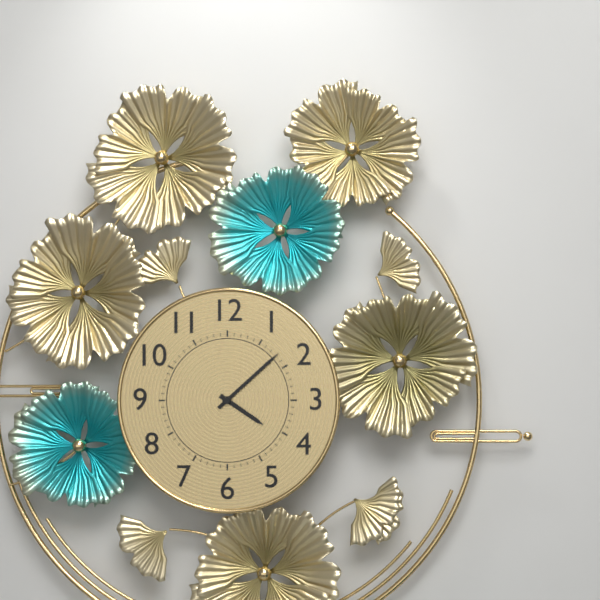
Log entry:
**4:08**
